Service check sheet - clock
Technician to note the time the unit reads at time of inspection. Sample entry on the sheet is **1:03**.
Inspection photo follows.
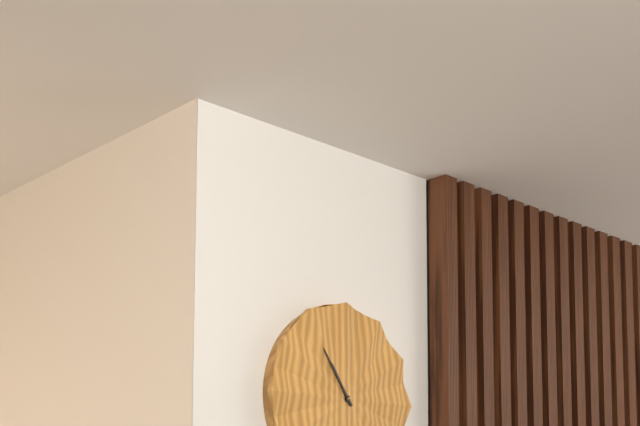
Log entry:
**10:54**
